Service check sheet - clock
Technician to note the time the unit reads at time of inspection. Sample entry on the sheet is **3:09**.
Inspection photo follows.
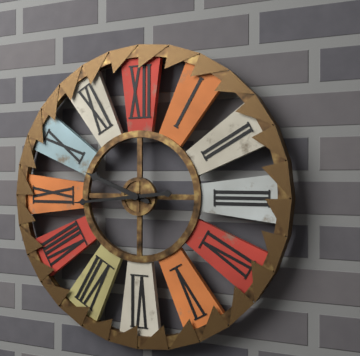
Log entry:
**9:44**
